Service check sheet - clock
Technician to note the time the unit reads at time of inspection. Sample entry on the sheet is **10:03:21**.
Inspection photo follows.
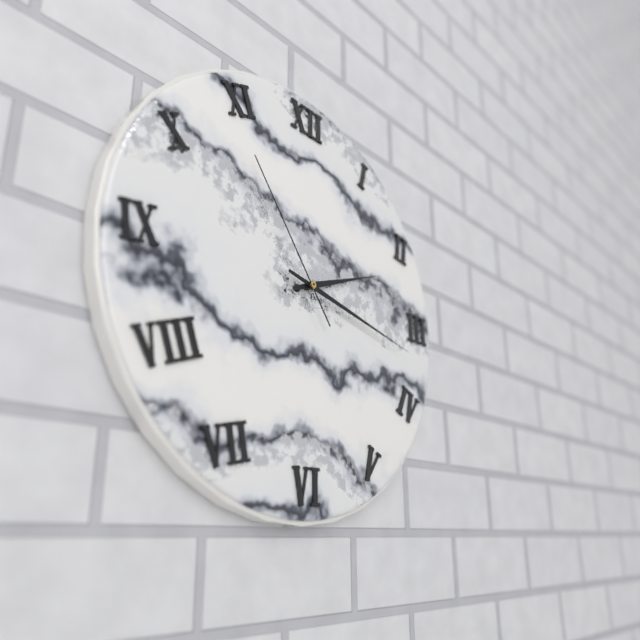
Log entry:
**2:17:54**
